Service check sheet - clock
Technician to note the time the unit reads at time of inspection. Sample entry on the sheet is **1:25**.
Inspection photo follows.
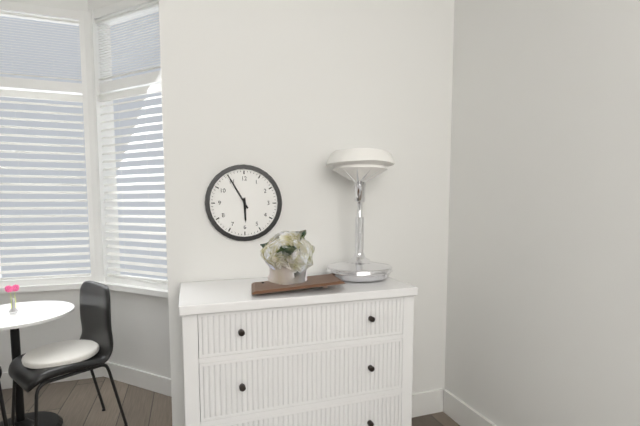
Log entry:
**5:55**
